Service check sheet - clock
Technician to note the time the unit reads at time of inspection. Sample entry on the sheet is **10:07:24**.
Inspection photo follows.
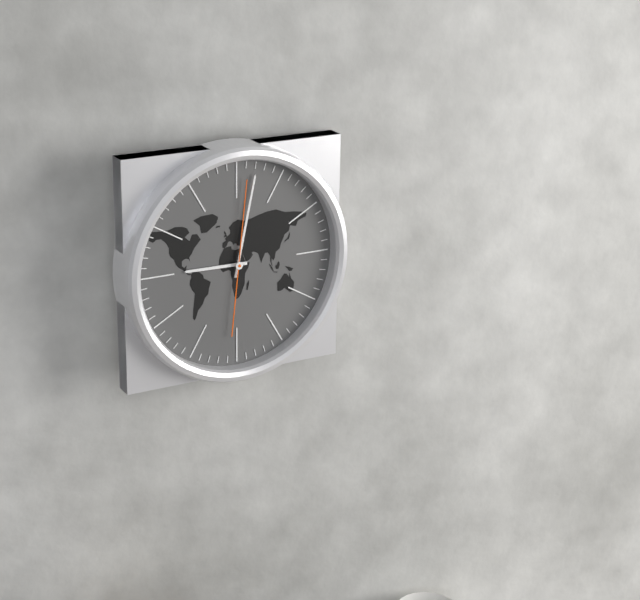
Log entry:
**9:02:01**
